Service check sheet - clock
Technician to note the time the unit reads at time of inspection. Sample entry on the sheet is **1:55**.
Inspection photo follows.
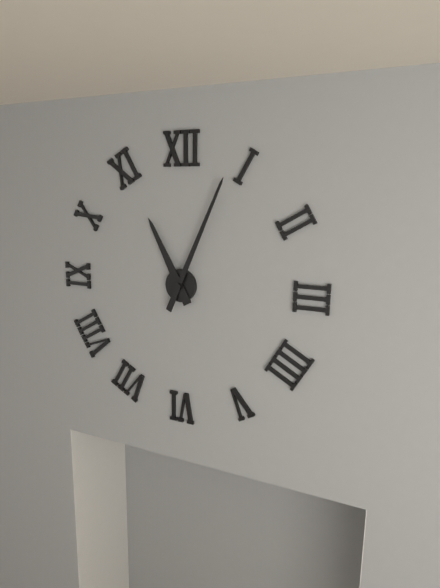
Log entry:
**11:04**
